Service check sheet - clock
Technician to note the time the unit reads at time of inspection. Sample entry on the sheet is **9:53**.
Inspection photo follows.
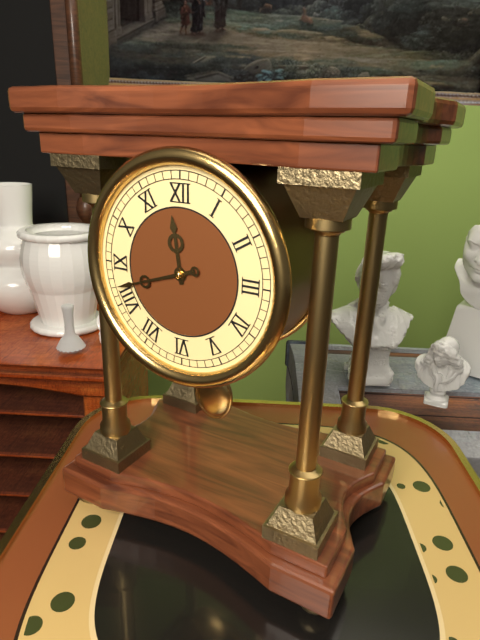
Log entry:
**11:42**
